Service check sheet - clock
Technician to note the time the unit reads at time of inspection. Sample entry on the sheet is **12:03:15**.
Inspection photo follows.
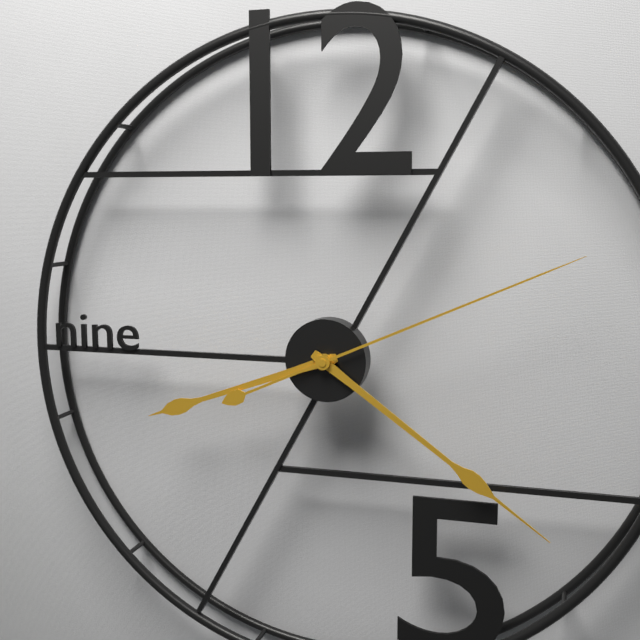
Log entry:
**8:21:11**
